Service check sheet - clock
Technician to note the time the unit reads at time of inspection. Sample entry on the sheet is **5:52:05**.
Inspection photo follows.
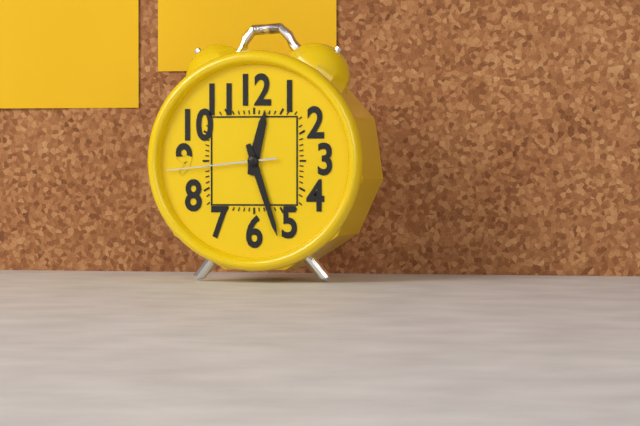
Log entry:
**12:27:44**
